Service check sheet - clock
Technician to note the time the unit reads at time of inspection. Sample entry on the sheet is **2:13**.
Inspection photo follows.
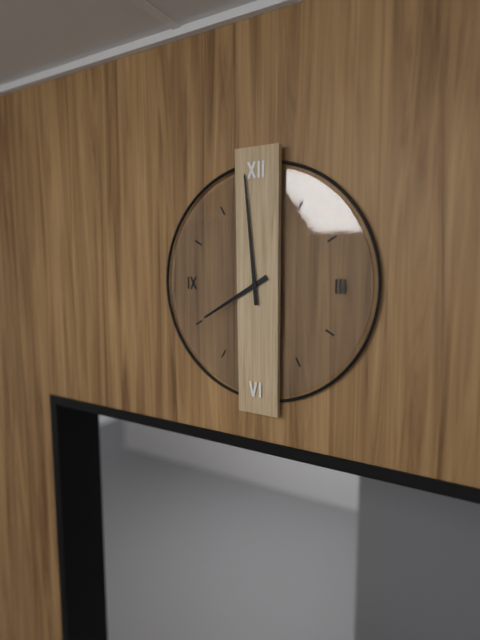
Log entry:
**7:59**
